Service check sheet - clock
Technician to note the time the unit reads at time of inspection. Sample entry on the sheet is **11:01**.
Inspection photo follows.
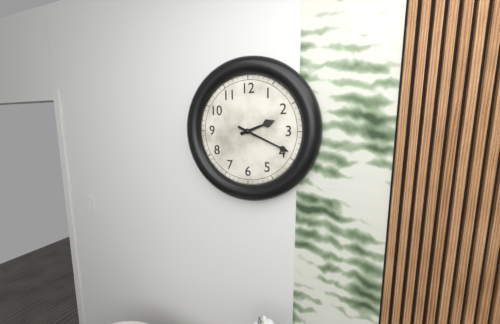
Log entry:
**2:19**
